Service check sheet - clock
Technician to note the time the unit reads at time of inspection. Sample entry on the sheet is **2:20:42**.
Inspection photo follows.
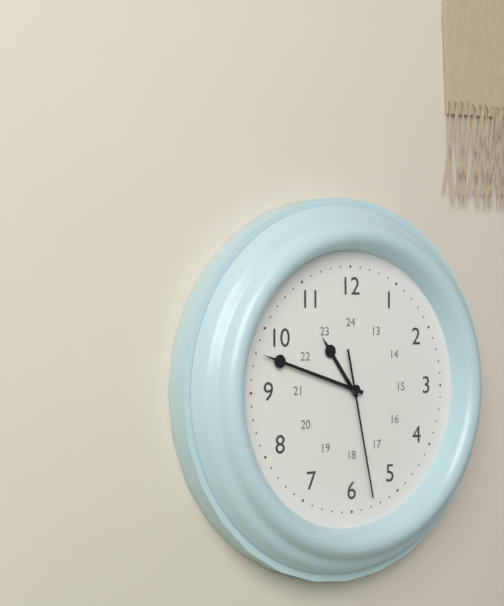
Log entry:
**10:48:28**
